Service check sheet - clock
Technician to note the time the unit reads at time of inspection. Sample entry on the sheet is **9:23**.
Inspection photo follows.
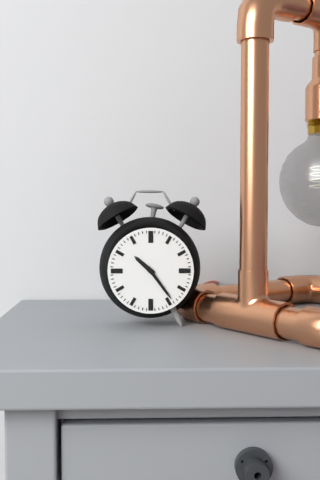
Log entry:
**10:24**
